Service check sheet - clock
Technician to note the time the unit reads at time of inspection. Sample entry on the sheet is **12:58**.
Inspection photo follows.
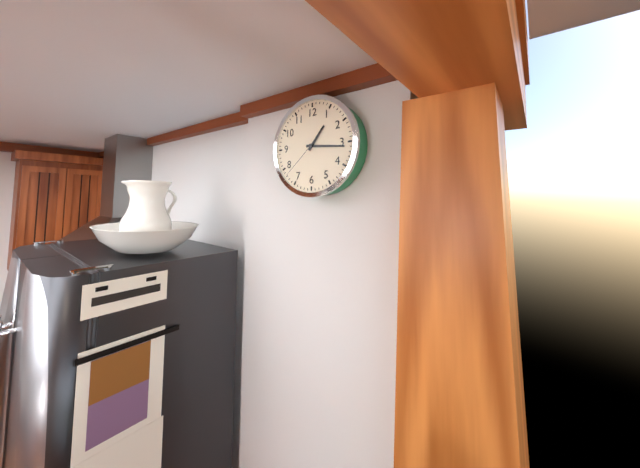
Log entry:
**1:16**
